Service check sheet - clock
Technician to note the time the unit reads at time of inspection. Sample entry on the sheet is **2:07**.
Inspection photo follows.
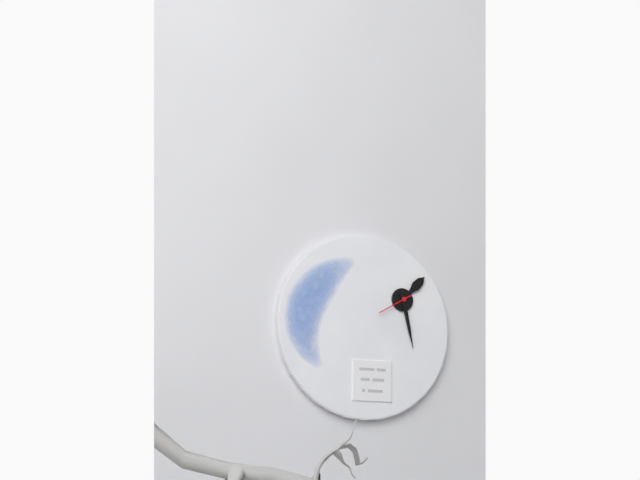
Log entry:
**1:28**
